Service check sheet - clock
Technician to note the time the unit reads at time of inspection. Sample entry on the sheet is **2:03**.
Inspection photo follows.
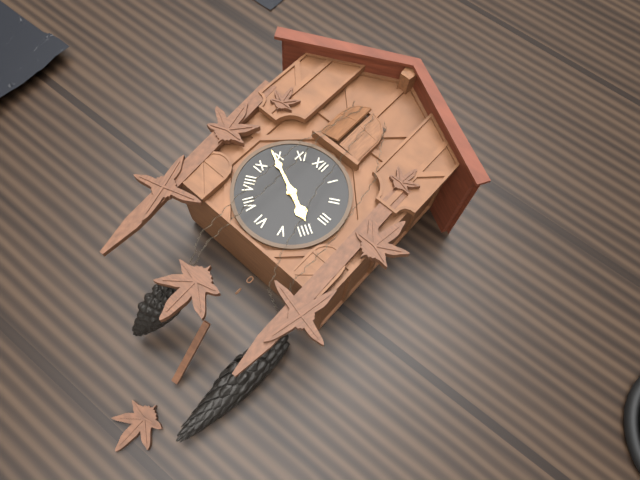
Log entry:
**3:49**
